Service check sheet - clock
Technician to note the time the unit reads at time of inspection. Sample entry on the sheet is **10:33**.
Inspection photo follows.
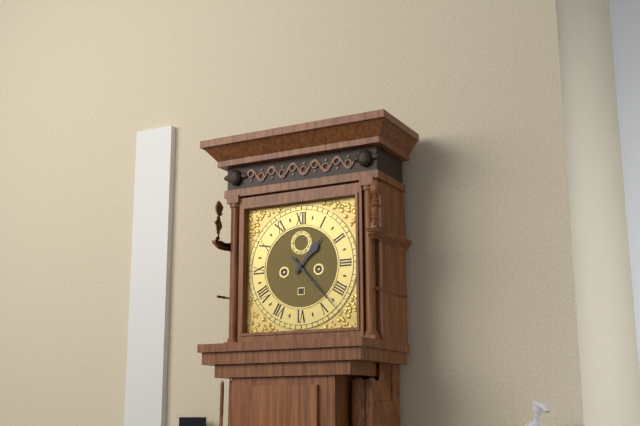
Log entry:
**1:23**
